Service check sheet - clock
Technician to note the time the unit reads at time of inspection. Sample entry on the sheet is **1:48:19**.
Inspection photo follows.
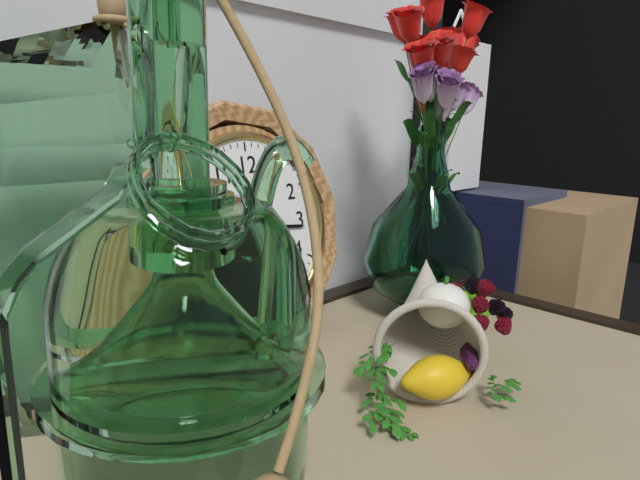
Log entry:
**5:16:31**
